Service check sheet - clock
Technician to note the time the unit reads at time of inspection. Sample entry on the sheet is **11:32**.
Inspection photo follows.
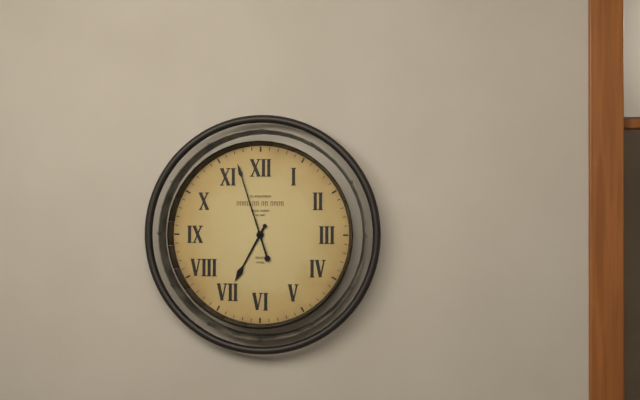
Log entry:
**6:57**
